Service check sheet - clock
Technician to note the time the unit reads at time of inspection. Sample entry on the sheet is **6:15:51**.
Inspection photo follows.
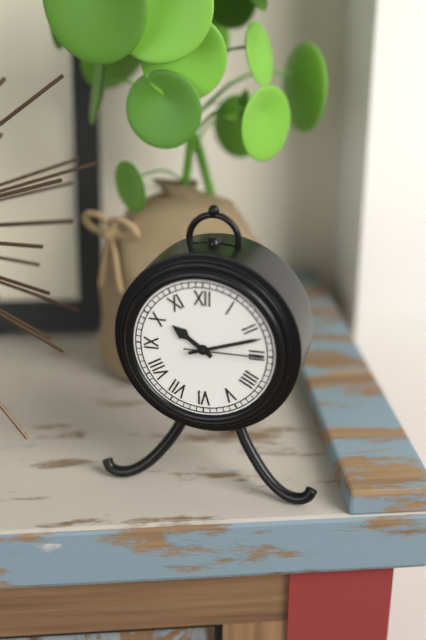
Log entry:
**10:12:15**
